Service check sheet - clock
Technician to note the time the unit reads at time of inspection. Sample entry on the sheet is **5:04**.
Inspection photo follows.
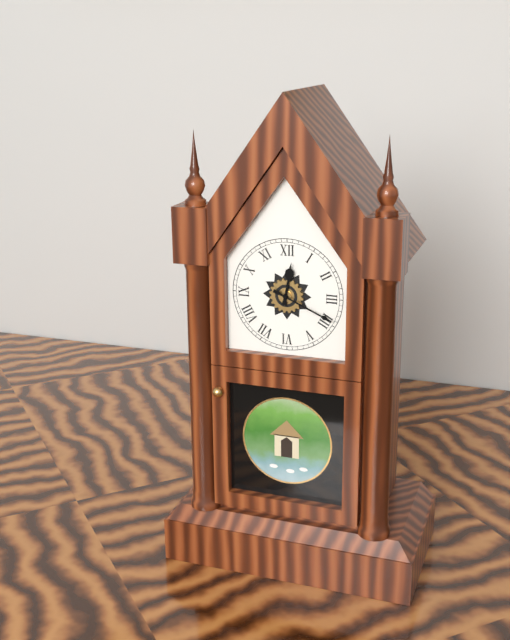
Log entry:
**12:19**
